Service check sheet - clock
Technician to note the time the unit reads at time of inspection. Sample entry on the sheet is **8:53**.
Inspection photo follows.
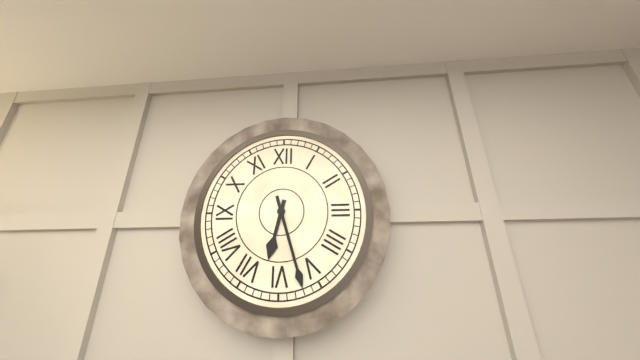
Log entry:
**6:27**
